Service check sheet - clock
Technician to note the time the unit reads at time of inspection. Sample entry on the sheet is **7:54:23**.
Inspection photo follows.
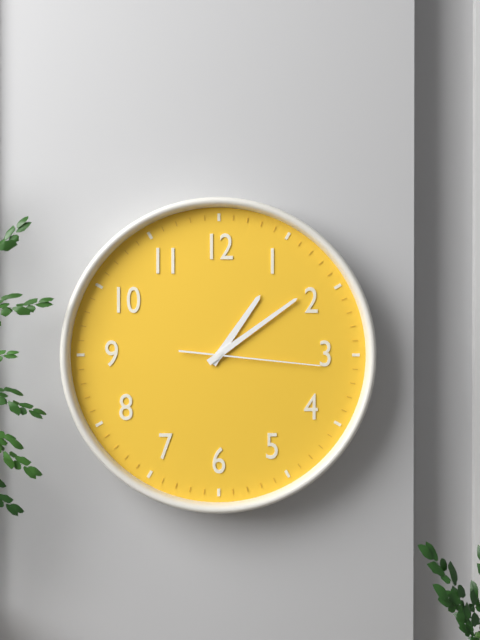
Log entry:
**1:09:16**
